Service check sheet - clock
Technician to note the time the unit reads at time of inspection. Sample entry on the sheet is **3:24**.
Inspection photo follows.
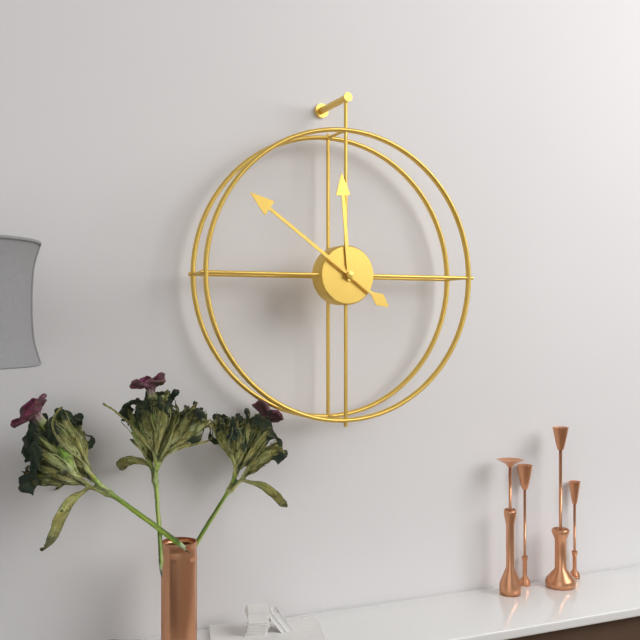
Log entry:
**11:51**
